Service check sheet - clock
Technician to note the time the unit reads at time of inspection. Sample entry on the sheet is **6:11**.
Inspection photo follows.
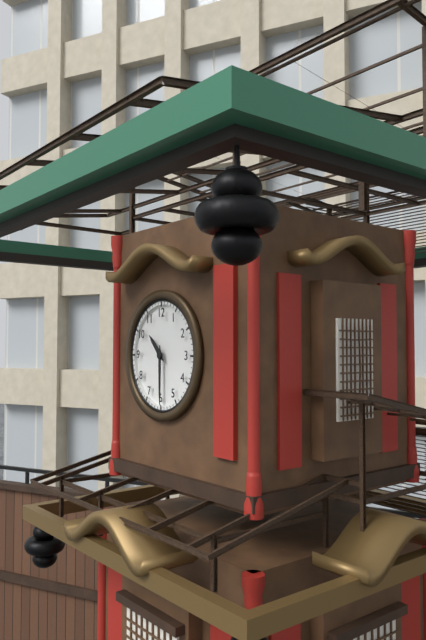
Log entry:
**10:30**
